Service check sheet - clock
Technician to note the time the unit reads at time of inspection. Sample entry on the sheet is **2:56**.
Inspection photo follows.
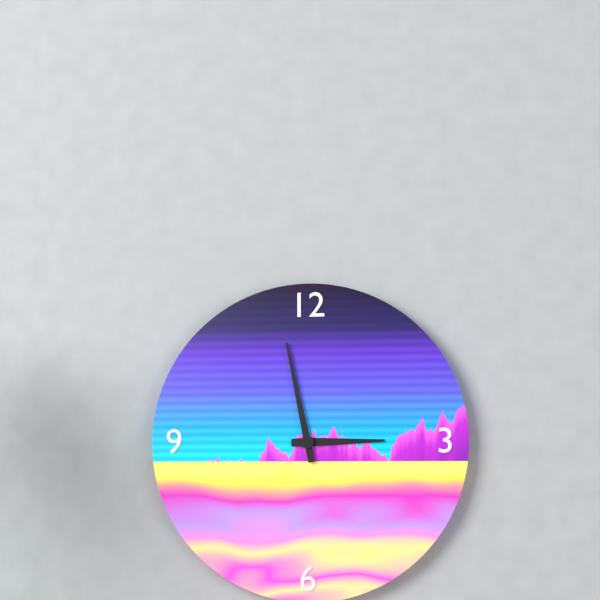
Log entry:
**2:58**
